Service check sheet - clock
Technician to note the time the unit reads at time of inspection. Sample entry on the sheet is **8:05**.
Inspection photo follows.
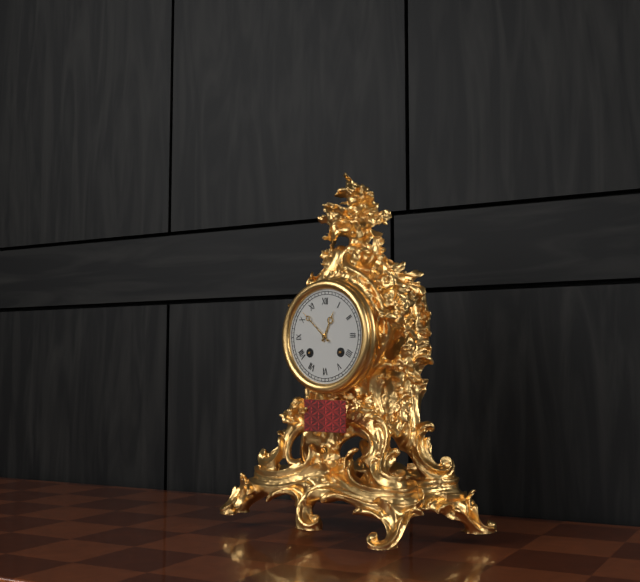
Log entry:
**12:52**
